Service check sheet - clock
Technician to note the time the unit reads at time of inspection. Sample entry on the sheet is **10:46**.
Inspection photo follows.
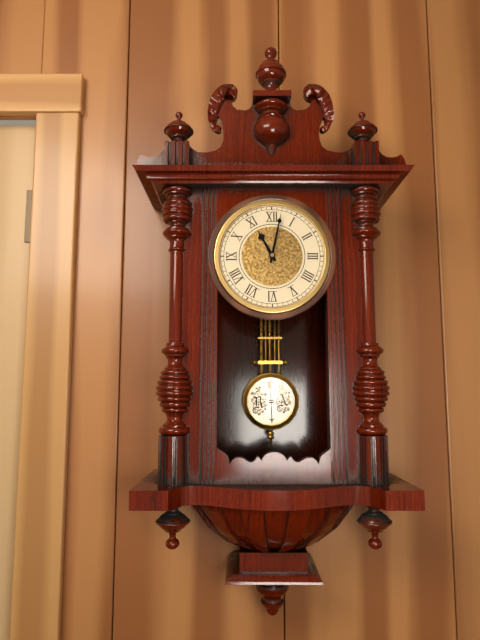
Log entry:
**11:02**
